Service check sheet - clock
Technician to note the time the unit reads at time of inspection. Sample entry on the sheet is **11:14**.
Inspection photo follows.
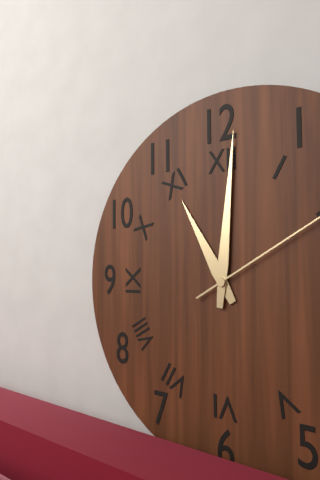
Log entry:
**11:01**
